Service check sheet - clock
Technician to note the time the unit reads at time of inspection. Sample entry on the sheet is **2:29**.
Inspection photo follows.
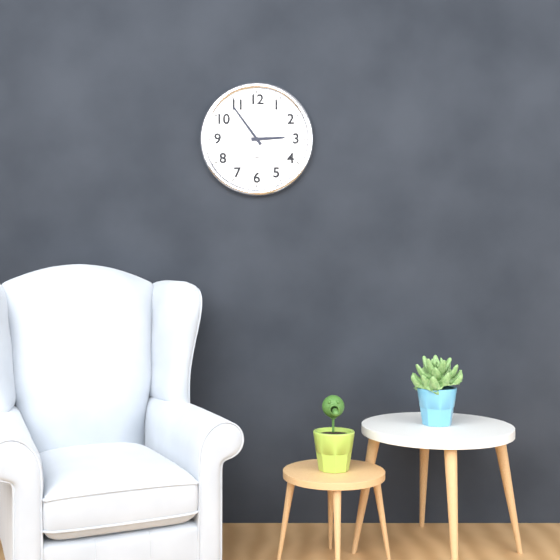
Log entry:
**2:54**
